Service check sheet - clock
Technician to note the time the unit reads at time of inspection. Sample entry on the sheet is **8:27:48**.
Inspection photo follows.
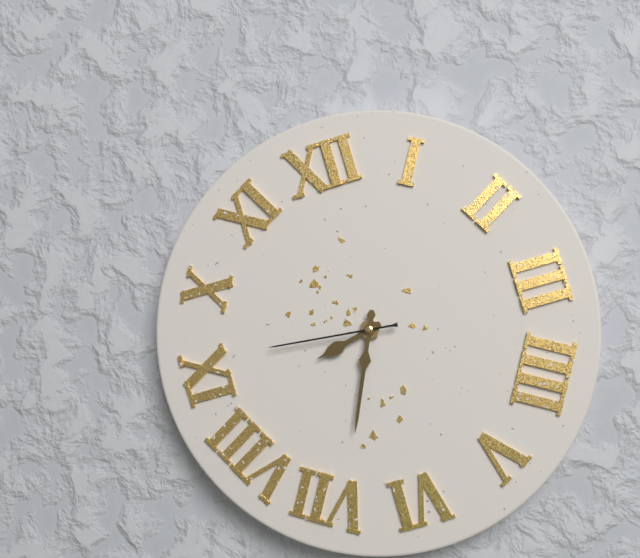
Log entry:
**8:34:46**
